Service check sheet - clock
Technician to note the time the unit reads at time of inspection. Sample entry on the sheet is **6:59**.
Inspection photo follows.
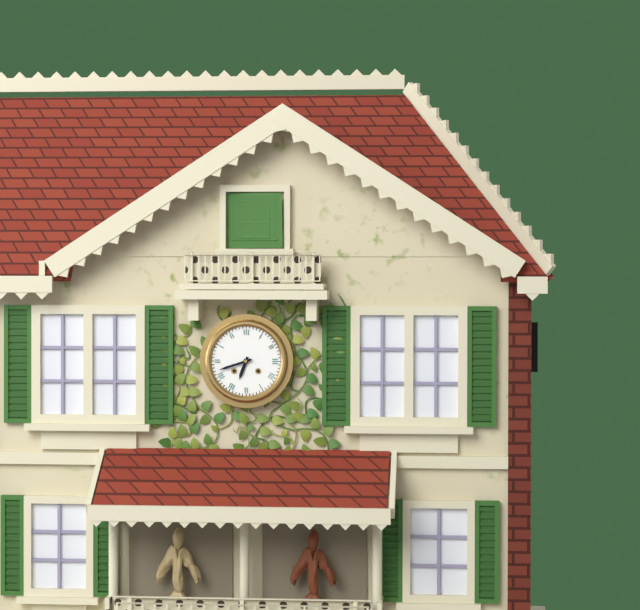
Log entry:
**6:42**
